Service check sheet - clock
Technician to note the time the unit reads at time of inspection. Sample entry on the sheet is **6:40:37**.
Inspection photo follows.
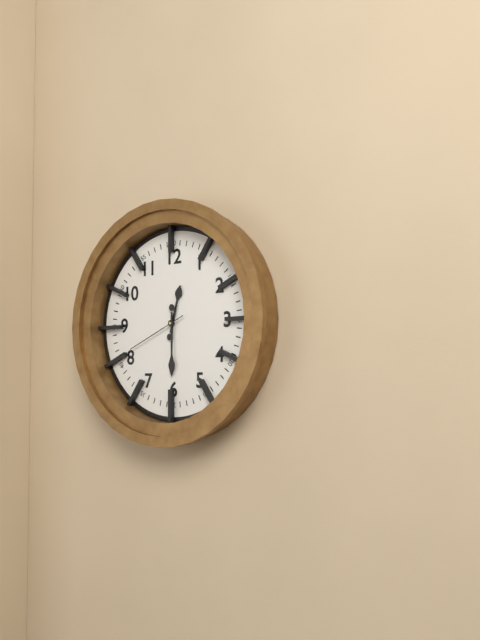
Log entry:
**12:30:41**
